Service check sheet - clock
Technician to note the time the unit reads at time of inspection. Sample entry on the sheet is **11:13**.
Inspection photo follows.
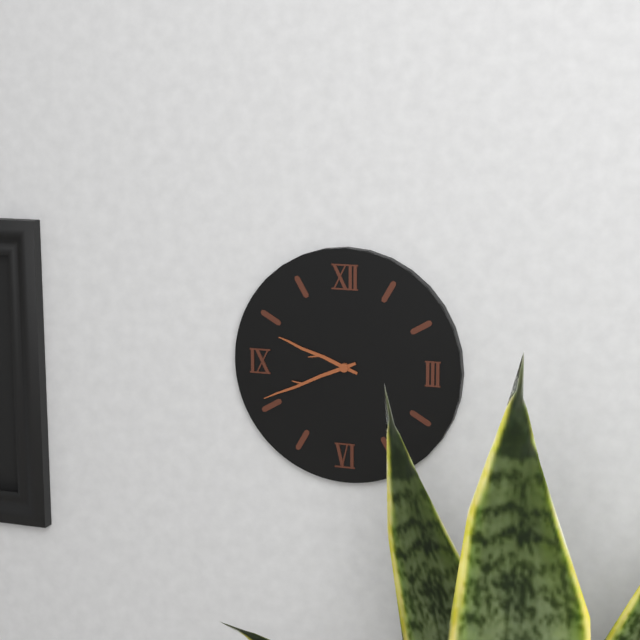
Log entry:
**9:41**
